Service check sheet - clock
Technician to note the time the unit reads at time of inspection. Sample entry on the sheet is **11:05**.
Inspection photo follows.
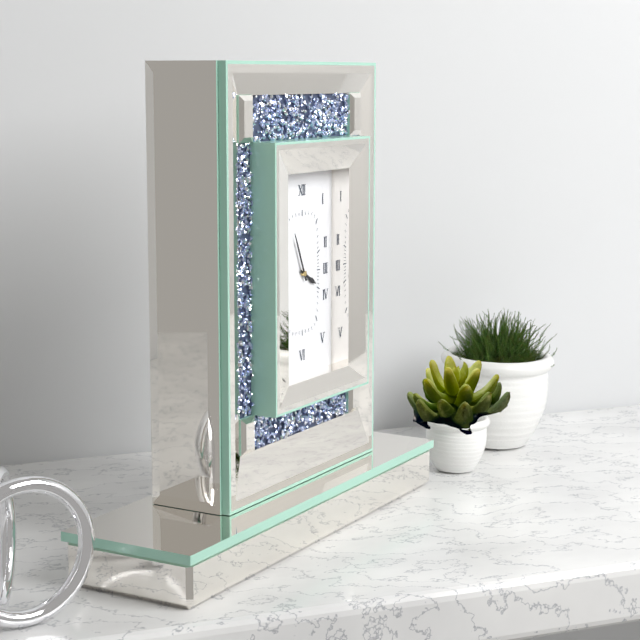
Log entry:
**3:56**
